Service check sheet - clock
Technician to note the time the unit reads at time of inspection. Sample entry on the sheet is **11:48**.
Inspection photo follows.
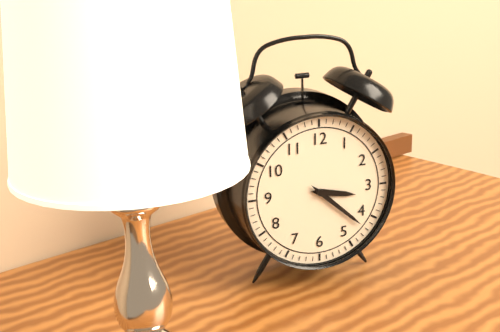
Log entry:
**3:22**
